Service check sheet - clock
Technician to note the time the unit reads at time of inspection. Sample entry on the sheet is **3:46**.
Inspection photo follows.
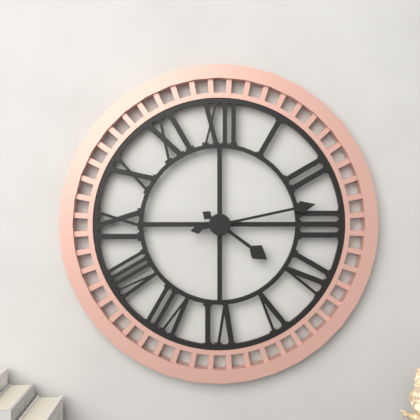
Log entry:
**4:13**
